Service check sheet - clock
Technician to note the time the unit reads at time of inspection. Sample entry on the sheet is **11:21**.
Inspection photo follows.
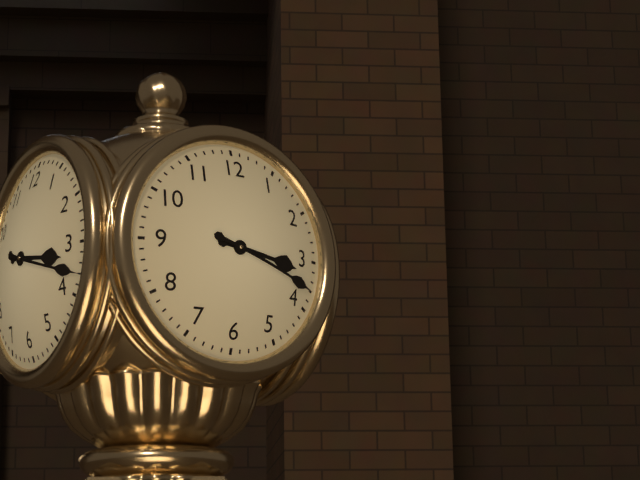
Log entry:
**3:18**
